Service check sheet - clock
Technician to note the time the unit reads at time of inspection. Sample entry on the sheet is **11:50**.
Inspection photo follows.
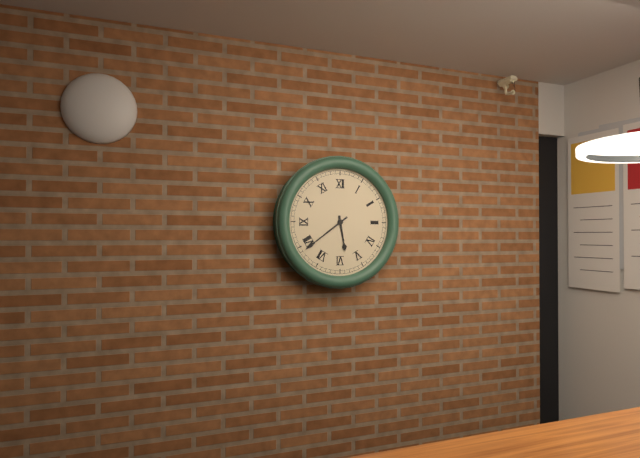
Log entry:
**5:39**
